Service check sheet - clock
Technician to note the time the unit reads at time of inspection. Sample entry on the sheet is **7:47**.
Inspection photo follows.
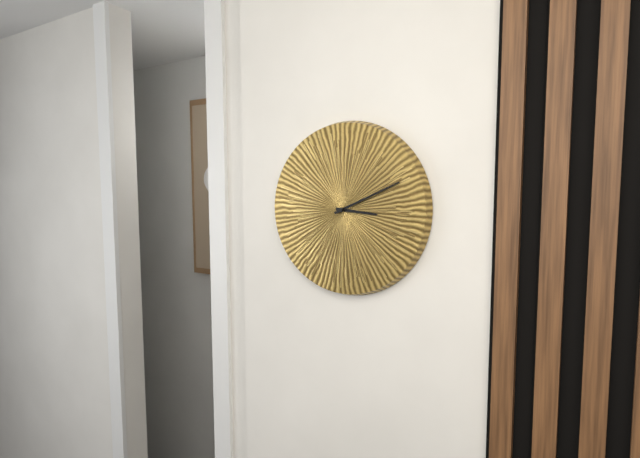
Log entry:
**3:11**
